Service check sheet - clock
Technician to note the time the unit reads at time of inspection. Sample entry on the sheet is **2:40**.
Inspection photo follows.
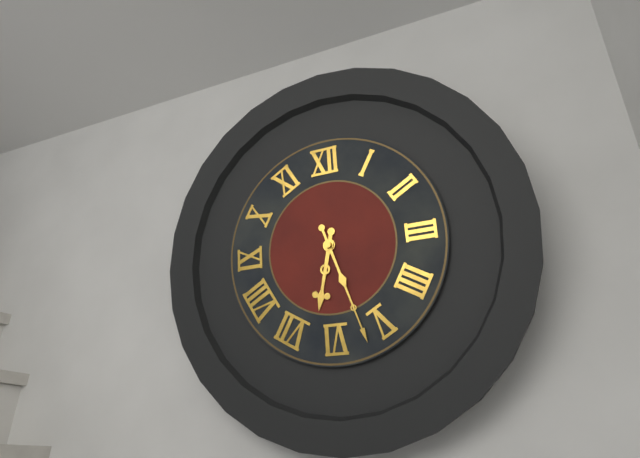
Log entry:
**6:27**
